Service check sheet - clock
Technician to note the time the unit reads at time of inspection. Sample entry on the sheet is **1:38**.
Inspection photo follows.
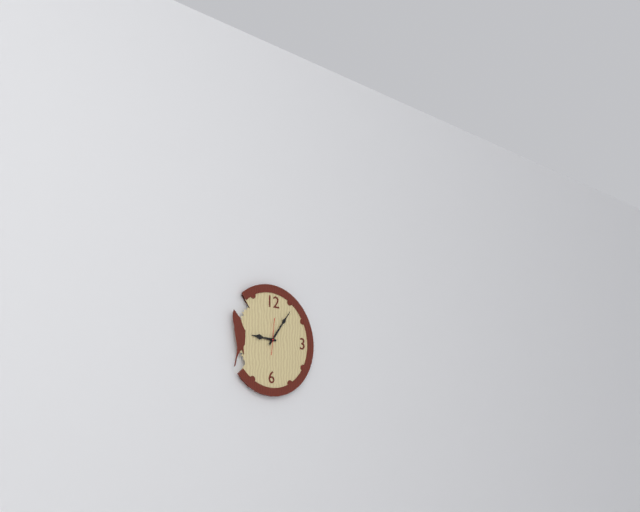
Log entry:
**9:06**
